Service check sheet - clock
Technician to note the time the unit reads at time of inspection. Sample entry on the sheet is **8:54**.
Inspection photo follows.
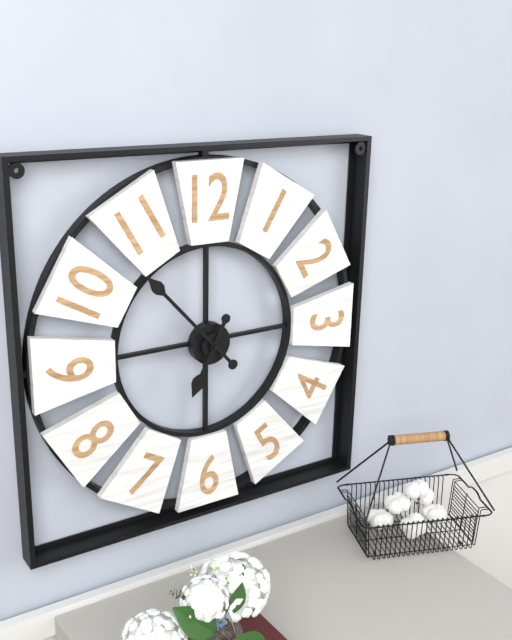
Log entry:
**6:53**
